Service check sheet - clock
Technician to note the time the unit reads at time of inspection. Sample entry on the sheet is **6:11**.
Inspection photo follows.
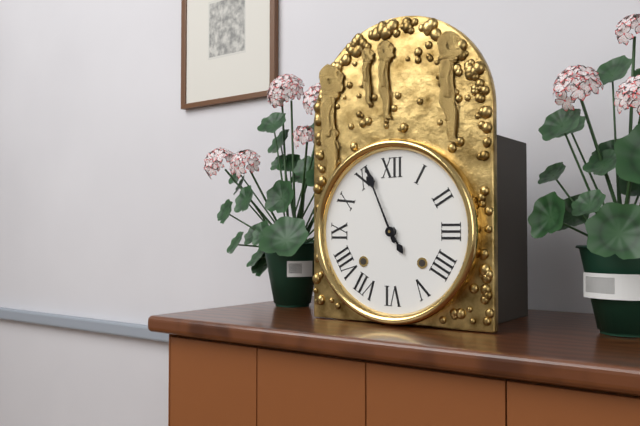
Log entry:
**4:56**
